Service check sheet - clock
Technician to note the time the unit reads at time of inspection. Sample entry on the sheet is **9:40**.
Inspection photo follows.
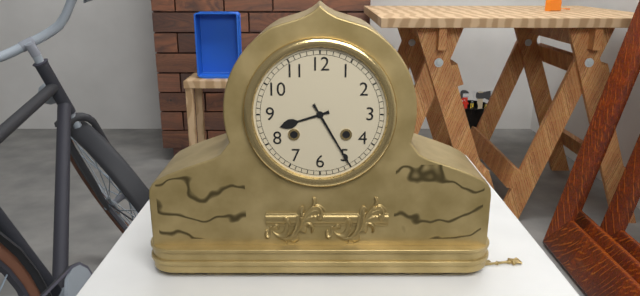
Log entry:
**8:25**
